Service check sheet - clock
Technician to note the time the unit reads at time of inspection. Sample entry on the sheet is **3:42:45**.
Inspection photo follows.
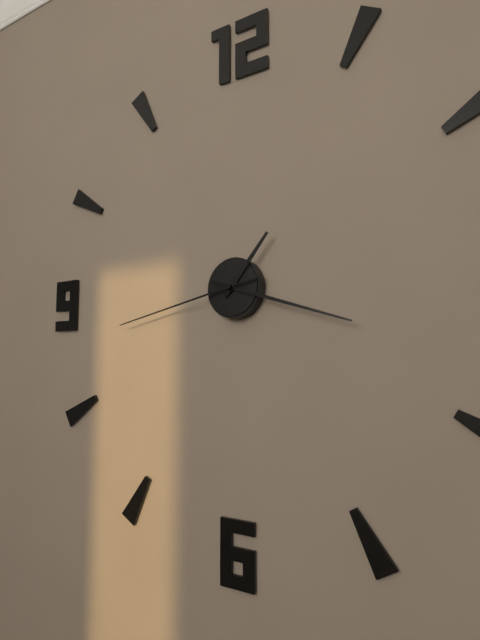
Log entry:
**1:18:43**
